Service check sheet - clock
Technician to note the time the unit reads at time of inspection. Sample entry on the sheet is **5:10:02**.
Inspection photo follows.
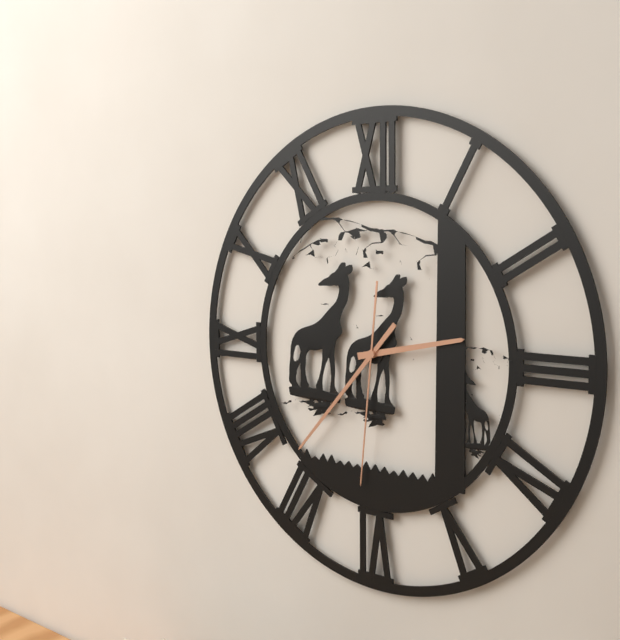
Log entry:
**2:37:31**
